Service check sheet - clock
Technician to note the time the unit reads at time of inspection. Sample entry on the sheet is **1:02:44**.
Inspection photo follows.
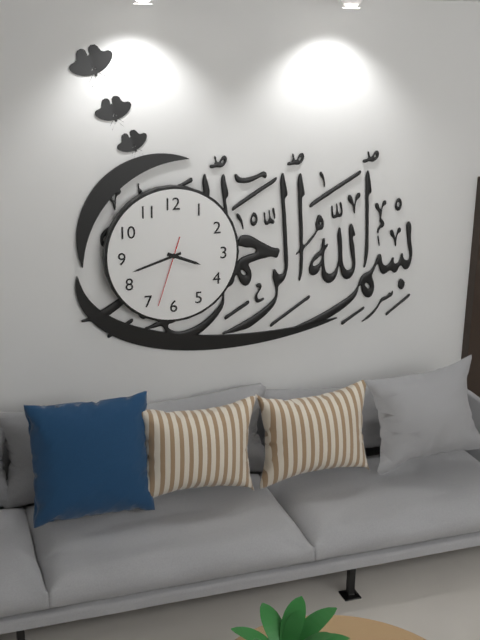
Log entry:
**3:42:33**
